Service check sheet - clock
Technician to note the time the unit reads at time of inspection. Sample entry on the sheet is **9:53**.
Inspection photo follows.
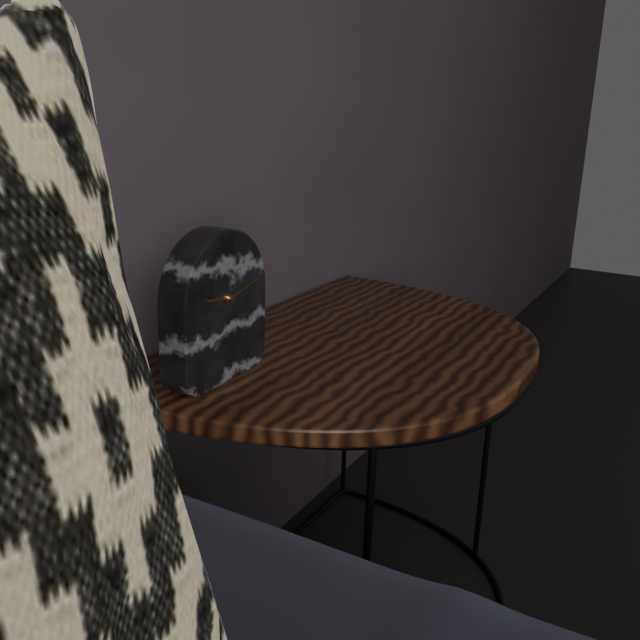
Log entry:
**9:13**
